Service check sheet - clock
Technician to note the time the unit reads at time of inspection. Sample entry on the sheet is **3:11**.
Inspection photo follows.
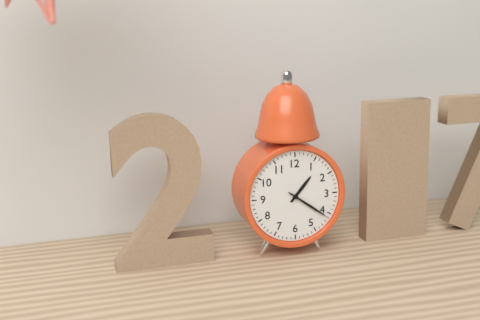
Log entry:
**1:21**
